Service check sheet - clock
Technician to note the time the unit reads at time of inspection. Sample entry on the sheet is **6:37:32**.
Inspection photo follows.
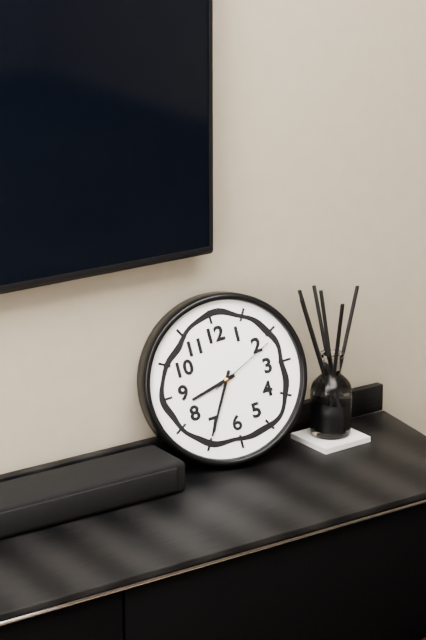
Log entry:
**8:35:11**
